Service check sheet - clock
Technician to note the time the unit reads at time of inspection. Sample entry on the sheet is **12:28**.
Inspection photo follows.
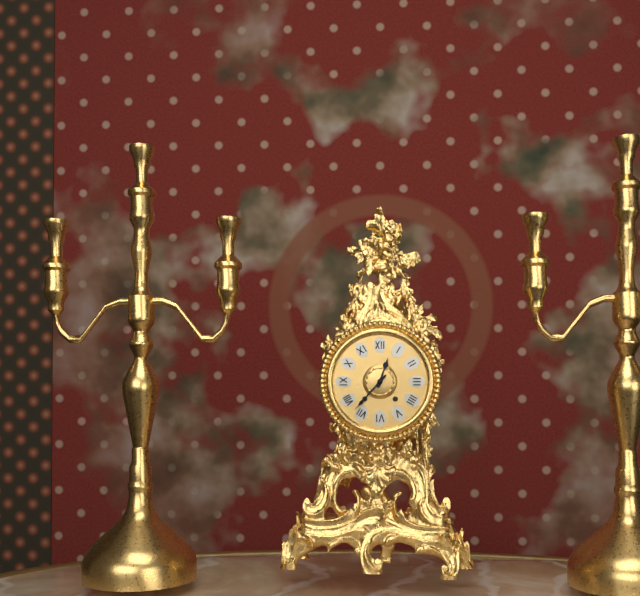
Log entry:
**12:37**
